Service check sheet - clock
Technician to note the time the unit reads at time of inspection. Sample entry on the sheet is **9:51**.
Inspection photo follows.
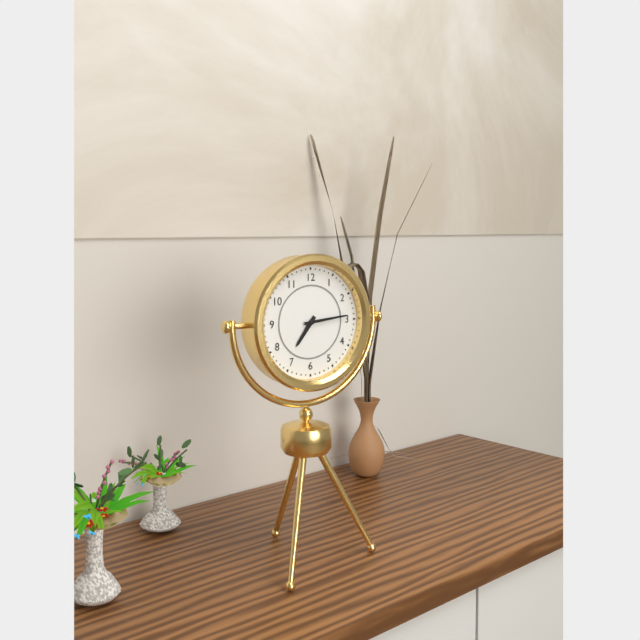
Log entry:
**7:14**
